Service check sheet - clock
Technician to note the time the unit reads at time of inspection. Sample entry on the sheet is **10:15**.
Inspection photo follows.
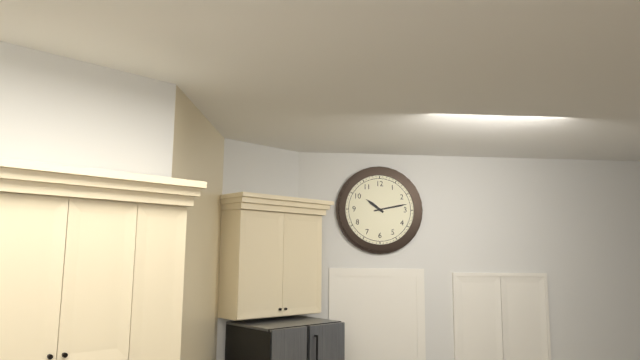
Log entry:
**10:13**
